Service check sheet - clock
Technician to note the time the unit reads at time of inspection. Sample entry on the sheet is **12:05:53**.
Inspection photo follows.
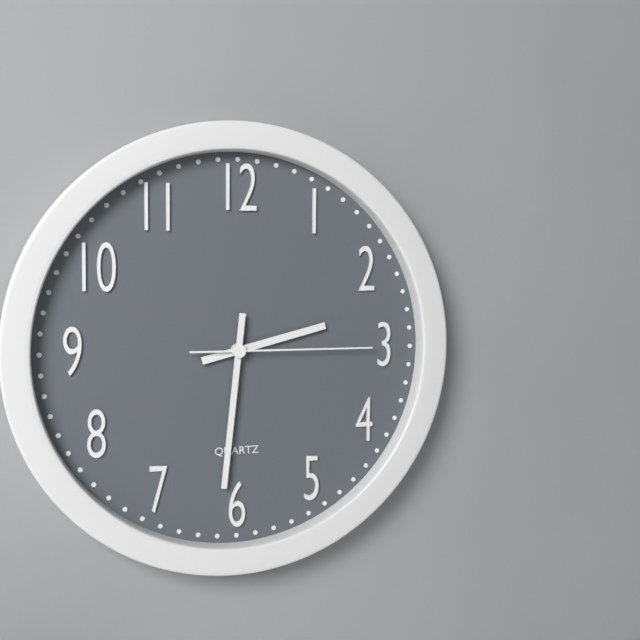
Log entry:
**2:31:15**
